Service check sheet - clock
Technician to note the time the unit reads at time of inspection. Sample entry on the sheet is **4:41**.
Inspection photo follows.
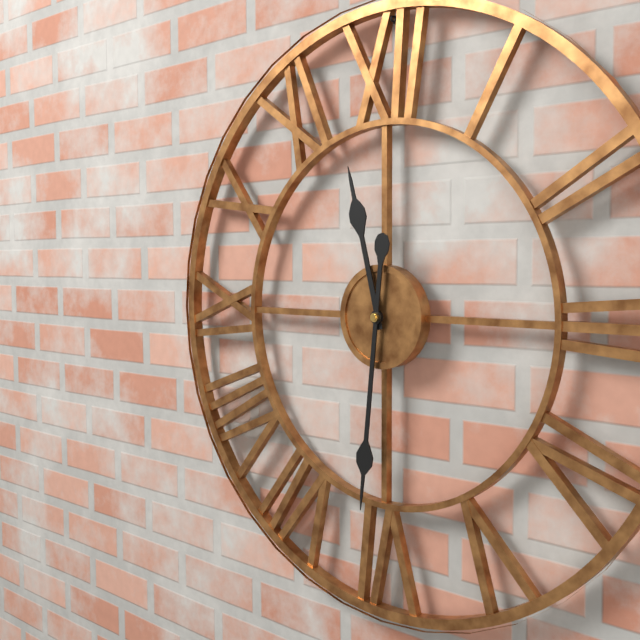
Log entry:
**11:31**
